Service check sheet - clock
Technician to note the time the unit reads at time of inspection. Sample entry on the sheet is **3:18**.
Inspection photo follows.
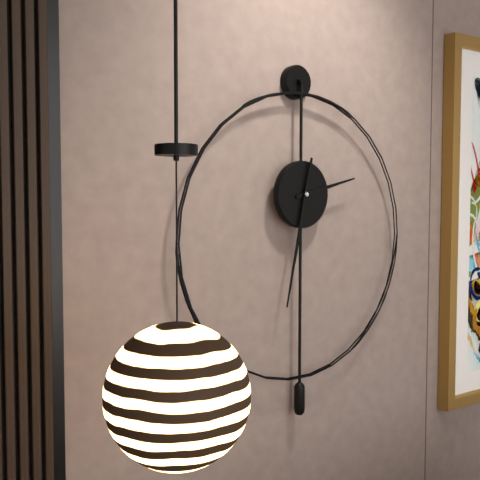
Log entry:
**2:32**
